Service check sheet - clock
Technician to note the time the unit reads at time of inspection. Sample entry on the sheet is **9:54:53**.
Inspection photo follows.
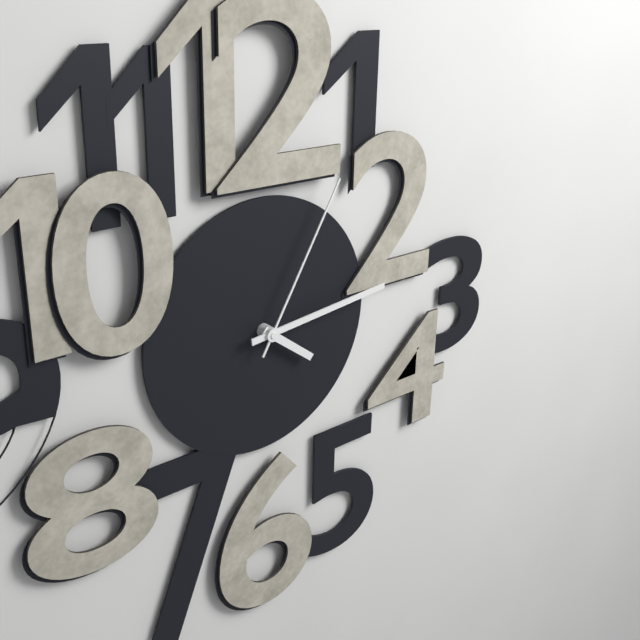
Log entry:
**4:14:05**
